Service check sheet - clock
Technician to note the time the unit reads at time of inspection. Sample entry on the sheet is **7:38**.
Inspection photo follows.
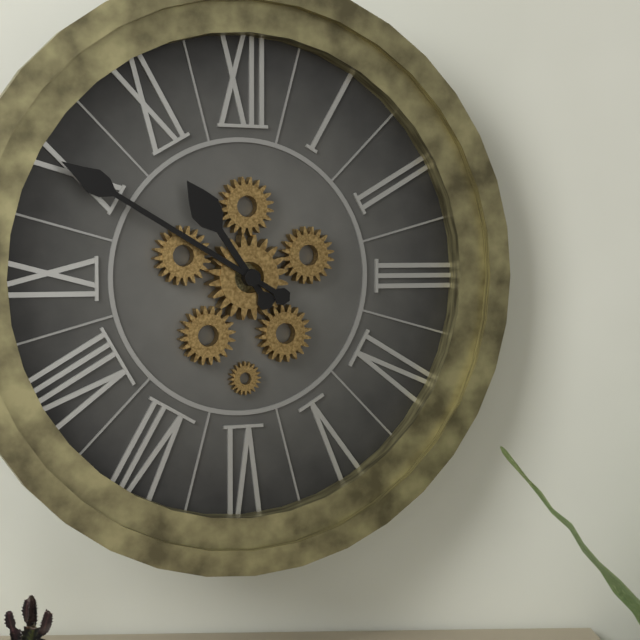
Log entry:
**10:50**
